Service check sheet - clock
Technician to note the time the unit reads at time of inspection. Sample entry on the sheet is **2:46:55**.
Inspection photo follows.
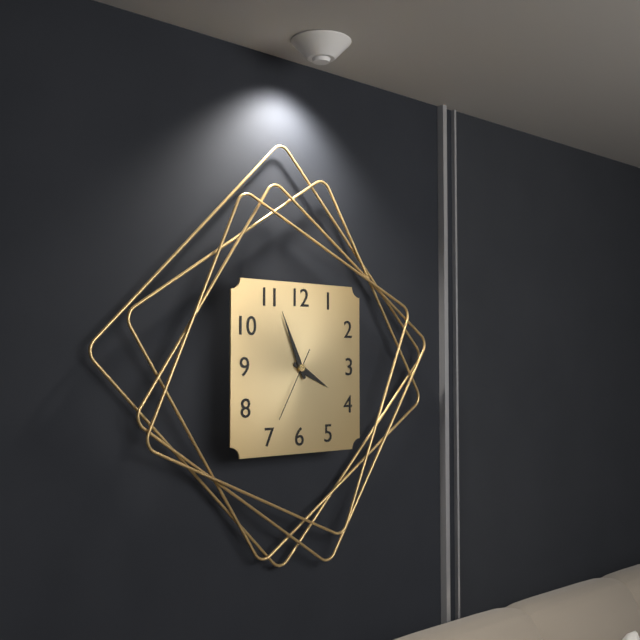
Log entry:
**3:56:35**
